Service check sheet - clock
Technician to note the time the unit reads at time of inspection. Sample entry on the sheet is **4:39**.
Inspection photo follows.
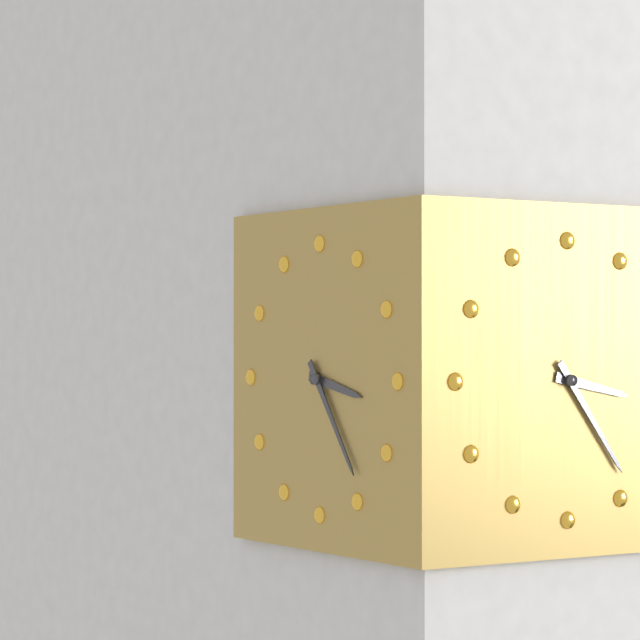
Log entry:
**3:24**
